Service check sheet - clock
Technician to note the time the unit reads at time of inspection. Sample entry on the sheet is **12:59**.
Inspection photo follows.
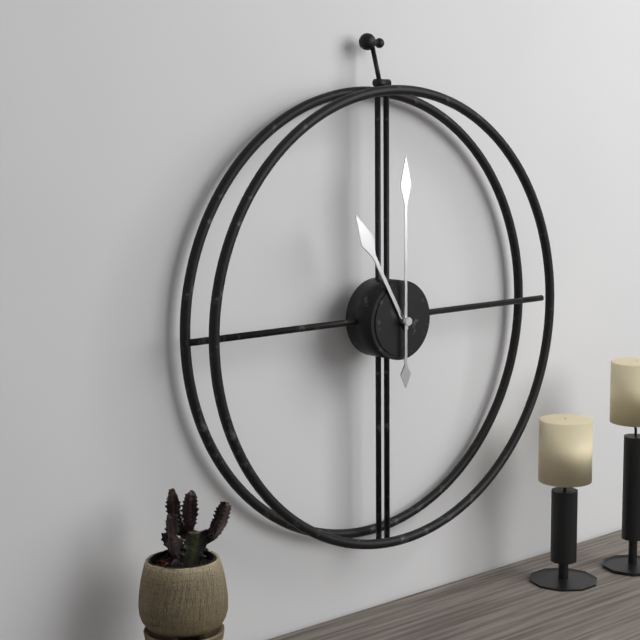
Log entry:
**11:00**
